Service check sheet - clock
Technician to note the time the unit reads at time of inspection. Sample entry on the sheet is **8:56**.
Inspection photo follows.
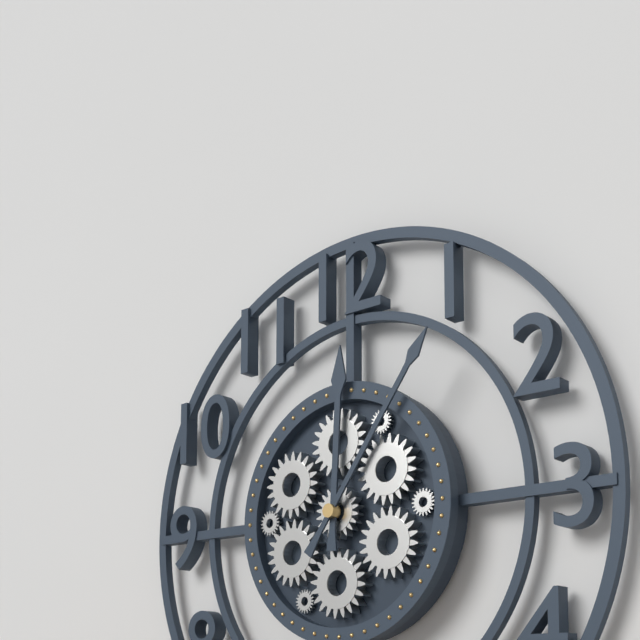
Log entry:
**12:06**
